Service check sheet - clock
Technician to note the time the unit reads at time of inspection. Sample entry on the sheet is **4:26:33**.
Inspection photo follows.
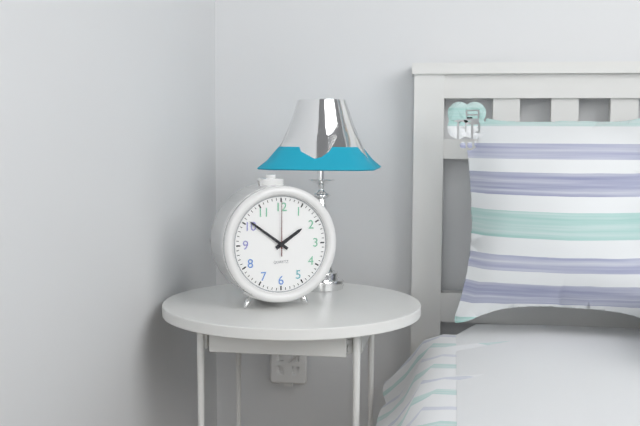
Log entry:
**1:51:00**
